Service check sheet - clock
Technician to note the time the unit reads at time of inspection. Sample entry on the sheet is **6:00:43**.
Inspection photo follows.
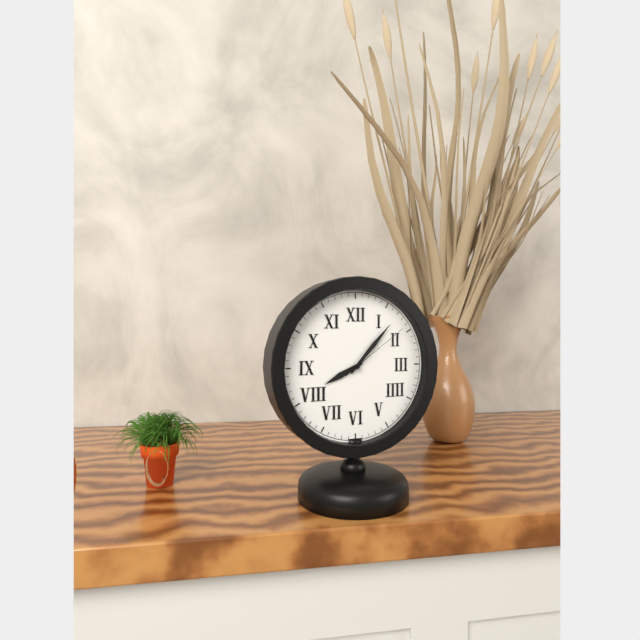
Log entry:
**8:07:09**
